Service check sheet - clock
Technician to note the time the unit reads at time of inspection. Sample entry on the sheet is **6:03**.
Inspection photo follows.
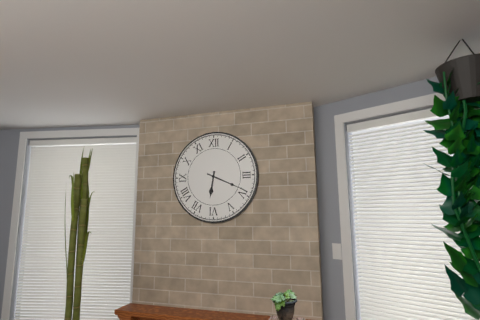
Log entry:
**6:19**
